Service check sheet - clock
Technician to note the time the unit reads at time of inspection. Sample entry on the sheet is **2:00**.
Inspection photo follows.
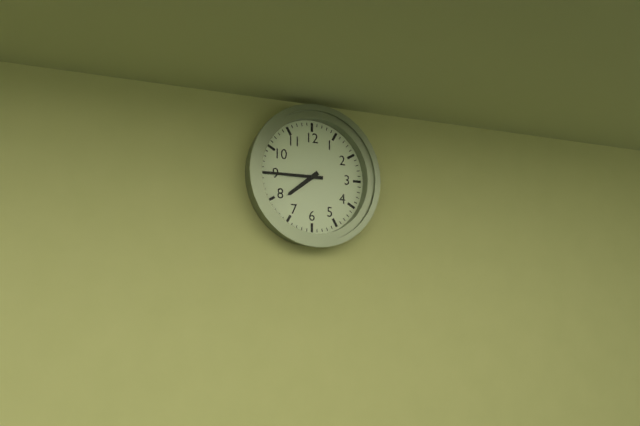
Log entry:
**7:45**
